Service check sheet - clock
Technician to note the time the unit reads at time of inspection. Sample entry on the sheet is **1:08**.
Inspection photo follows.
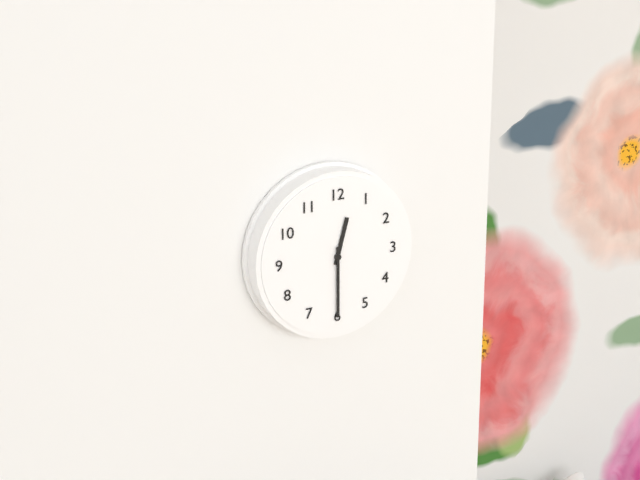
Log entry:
**12:30**
